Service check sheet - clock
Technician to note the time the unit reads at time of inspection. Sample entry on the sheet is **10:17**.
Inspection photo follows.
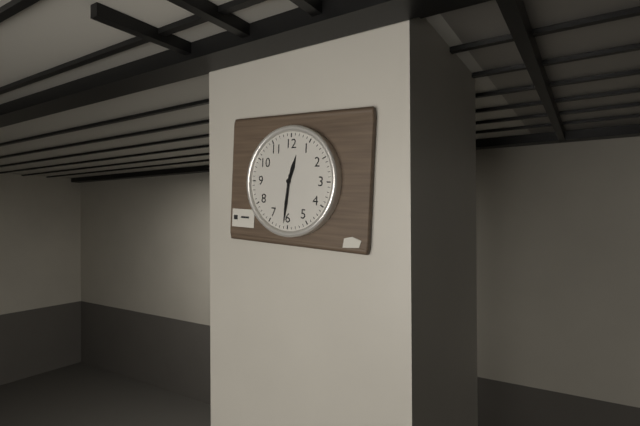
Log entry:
**12:31**
